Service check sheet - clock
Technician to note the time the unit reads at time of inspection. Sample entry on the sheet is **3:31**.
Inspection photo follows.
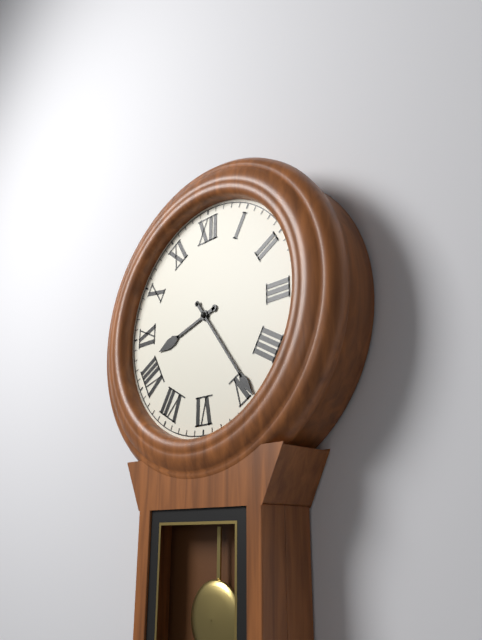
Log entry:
**8:24**
